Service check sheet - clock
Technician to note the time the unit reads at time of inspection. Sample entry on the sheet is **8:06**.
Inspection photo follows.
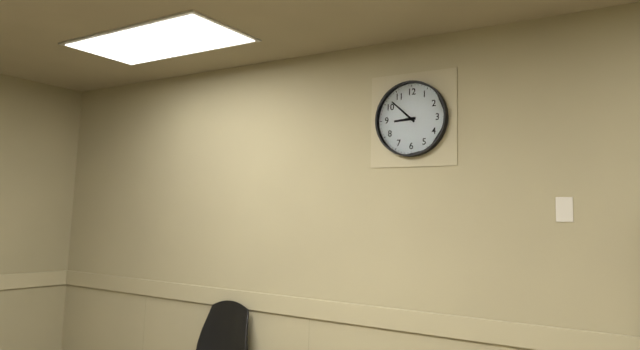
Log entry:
**8:52**
